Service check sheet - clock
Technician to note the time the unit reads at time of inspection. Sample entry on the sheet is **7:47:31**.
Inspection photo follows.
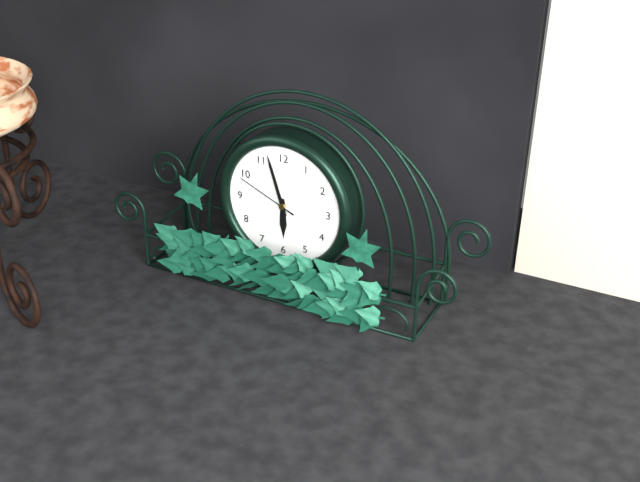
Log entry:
**5:57:49**
